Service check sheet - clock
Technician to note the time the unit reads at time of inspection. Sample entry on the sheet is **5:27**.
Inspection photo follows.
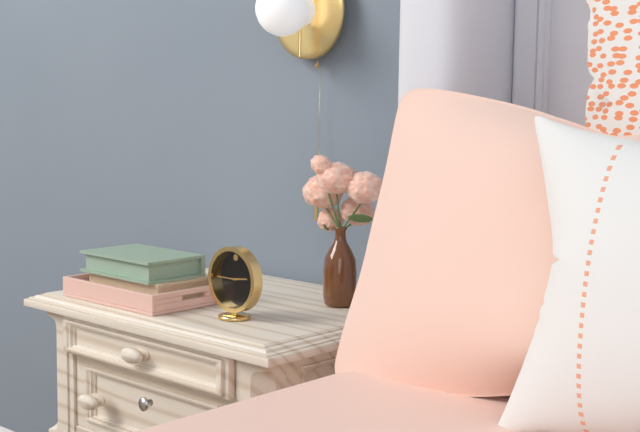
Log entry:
**2:45**
